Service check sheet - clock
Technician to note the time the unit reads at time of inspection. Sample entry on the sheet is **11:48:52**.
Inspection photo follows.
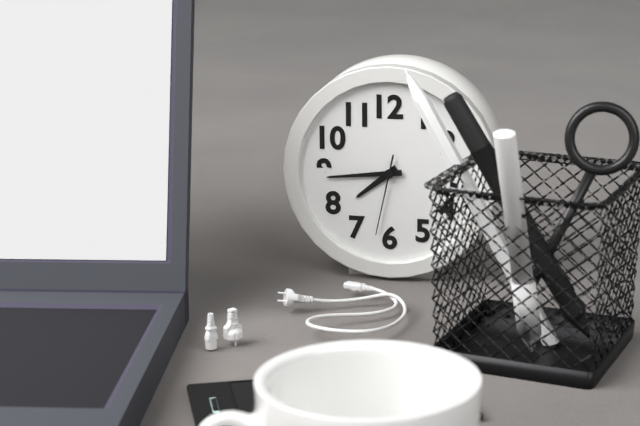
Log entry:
**7:44:32**
